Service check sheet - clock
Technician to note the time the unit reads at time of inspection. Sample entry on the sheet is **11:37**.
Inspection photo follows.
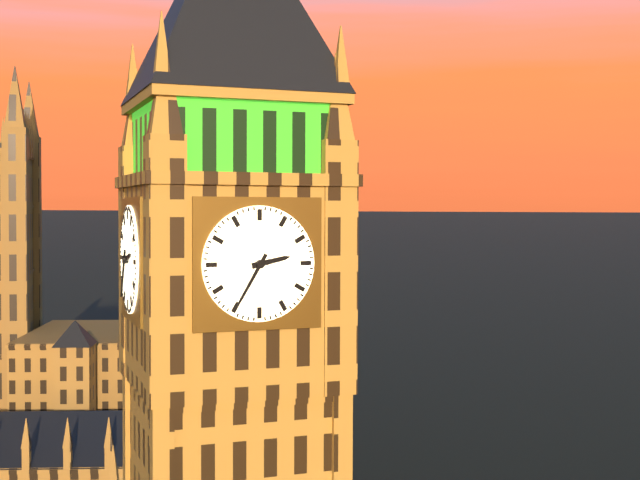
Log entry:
**2:35**
